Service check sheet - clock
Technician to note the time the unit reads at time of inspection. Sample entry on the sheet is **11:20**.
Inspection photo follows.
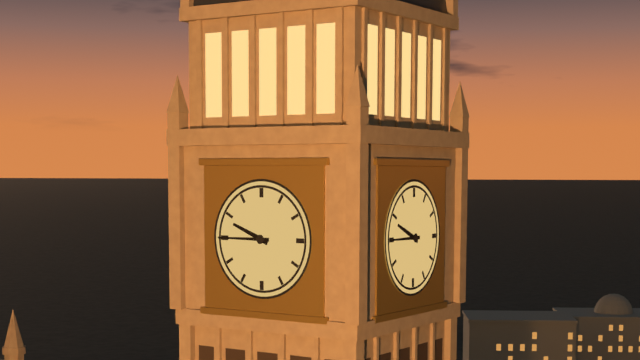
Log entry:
**9:45**
